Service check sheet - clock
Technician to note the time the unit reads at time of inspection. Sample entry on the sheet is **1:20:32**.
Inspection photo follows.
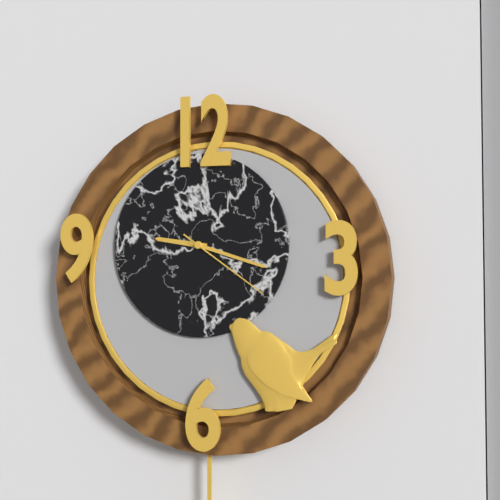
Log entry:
**9:18:21**
